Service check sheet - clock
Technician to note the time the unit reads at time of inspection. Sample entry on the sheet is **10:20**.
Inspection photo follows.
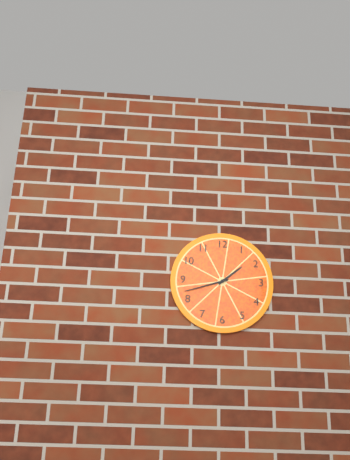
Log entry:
**1:42**
